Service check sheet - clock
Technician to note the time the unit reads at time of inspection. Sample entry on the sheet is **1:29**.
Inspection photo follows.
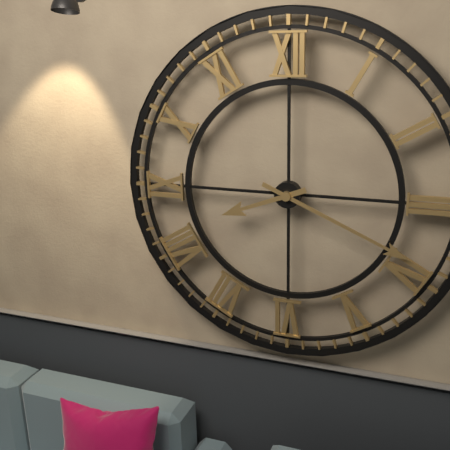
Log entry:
**8:19**
